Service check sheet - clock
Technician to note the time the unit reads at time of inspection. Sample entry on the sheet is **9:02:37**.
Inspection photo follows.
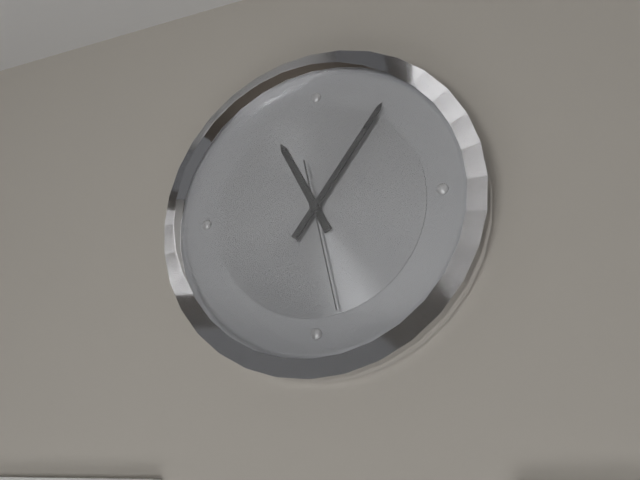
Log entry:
**11:06:28**
